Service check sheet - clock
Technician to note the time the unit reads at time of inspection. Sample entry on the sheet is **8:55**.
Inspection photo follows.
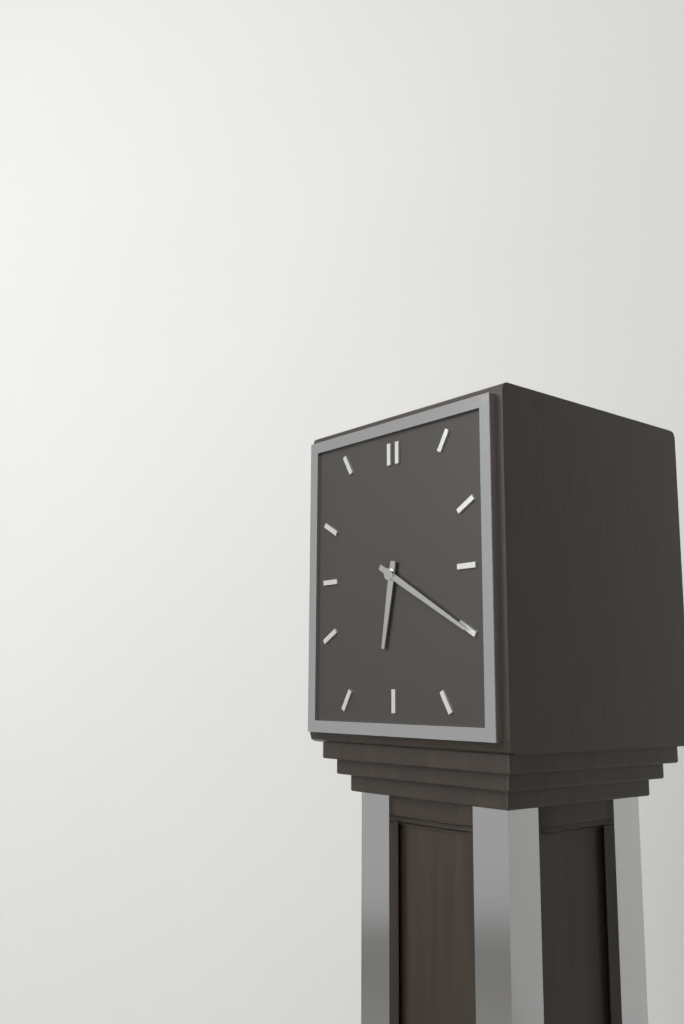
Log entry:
**6:20**
